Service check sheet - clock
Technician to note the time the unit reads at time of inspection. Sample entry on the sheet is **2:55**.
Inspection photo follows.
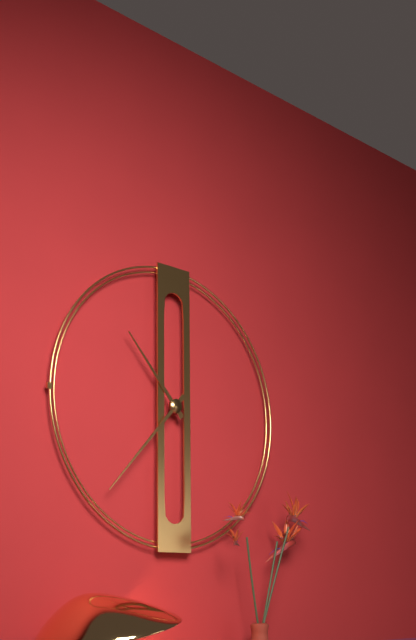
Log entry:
**10:37**
